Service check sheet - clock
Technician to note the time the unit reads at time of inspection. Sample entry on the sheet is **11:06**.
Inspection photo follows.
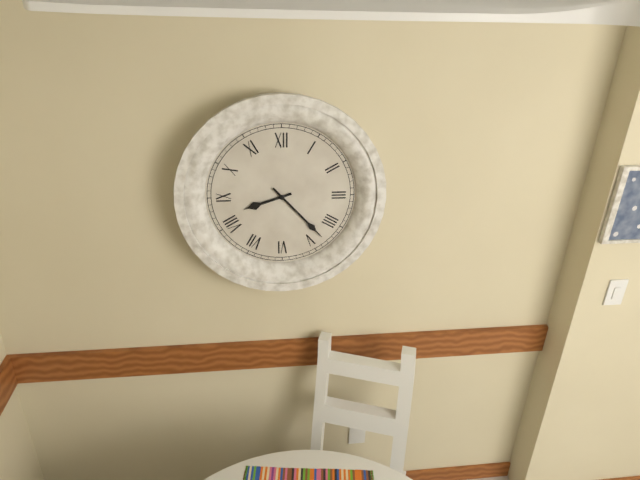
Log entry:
**8:23**
